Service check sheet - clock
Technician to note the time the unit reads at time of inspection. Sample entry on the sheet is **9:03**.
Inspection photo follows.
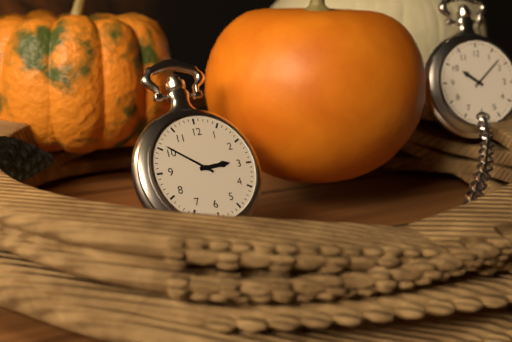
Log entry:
**2:51**
